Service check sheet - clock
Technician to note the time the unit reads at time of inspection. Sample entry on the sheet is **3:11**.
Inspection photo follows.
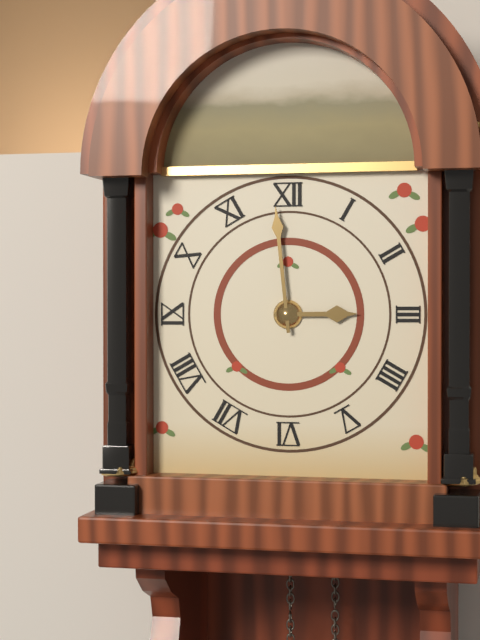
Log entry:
**2:59**
